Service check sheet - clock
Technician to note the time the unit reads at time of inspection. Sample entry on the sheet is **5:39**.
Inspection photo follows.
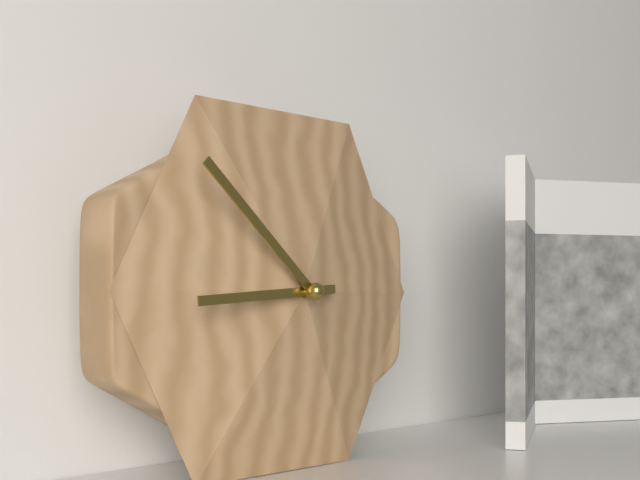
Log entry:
**8:52**
